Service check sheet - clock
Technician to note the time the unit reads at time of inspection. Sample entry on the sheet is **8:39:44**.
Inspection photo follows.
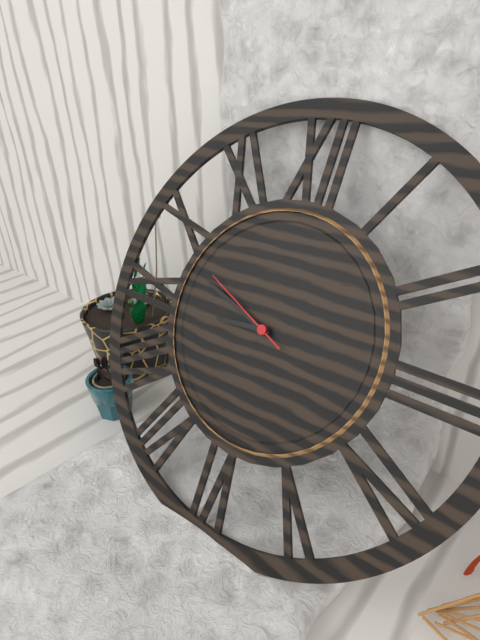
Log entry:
**8:48:49**
